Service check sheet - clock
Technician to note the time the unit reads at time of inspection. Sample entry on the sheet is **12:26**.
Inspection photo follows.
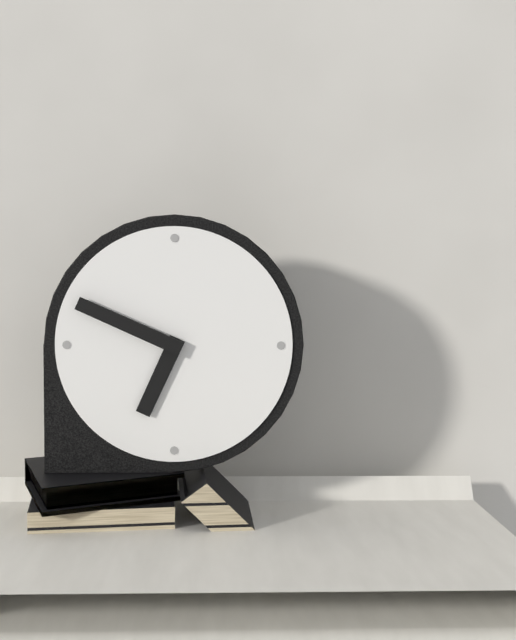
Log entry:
**6:49**
